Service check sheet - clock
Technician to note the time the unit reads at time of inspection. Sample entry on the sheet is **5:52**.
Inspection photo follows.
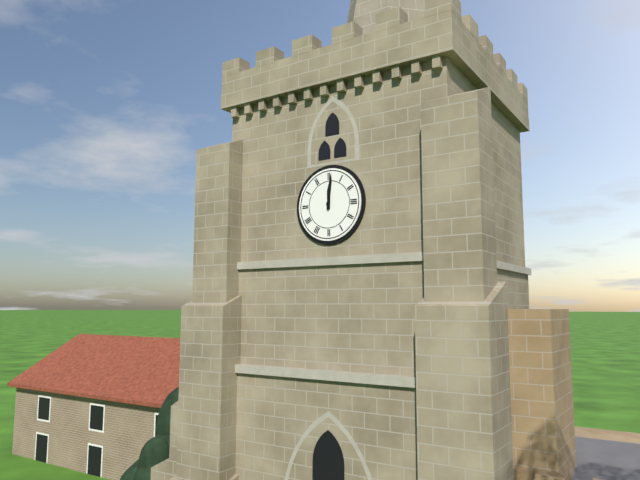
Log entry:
**12:01**
